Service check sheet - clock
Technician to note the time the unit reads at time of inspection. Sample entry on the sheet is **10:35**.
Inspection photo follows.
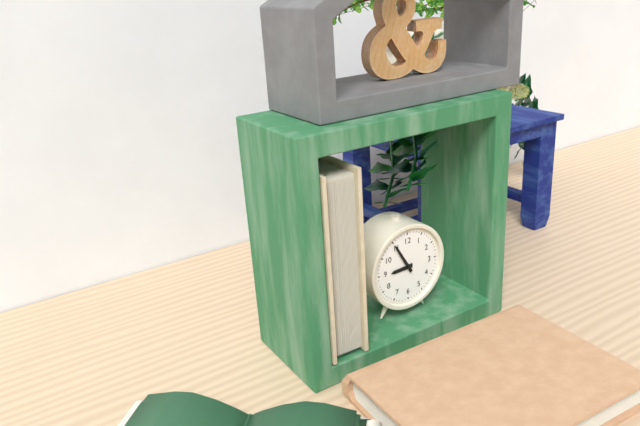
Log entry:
**8:55**
